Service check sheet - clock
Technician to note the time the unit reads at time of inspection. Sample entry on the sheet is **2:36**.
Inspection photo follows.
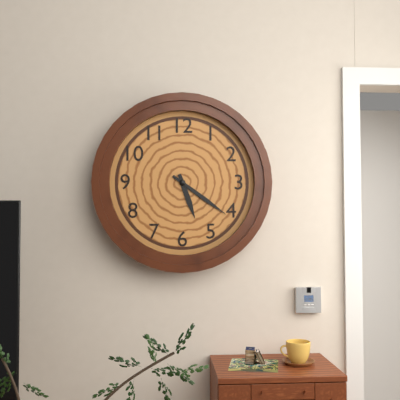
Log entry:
**5:21**
